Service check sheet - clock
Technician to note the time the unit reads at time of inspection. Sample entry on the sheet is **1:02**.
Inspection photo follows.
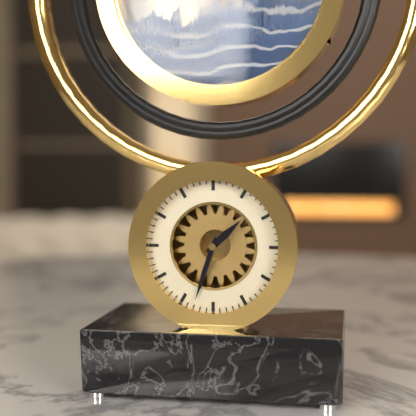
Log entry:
**1:33**
